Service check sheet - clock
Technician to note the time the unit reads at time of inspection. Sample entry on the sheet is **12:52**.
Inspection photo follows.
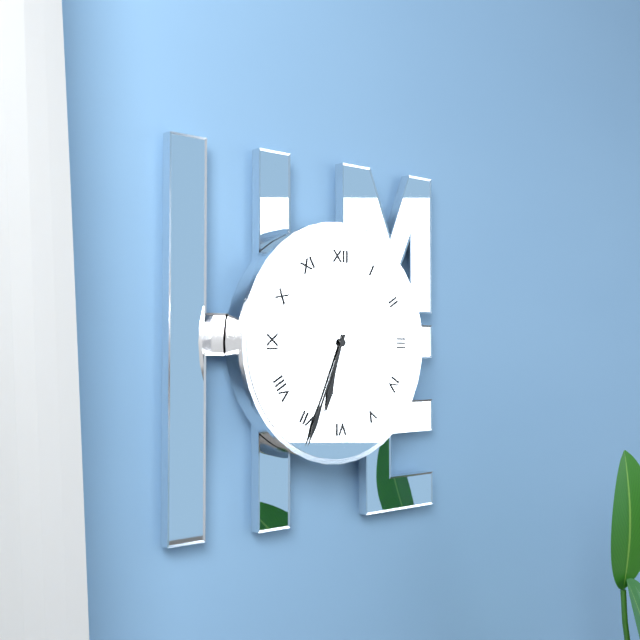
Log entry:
**6:34**
